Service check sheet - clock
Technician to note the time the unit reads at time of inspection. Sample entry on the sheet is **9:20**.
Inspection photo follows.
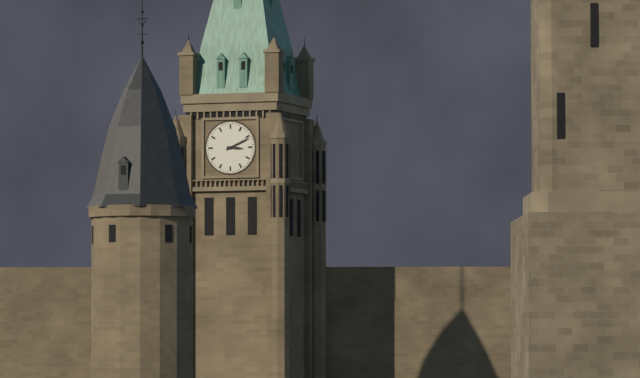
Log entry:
**3:11**
